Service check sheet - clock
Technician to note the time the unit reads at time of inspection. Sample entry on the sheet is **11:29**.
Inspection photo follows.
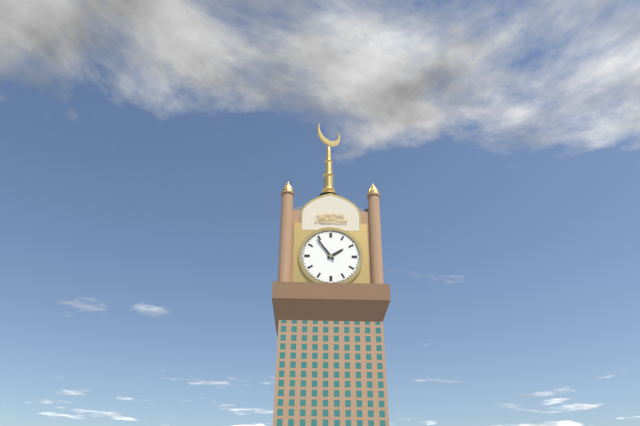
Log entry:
**1:54**
